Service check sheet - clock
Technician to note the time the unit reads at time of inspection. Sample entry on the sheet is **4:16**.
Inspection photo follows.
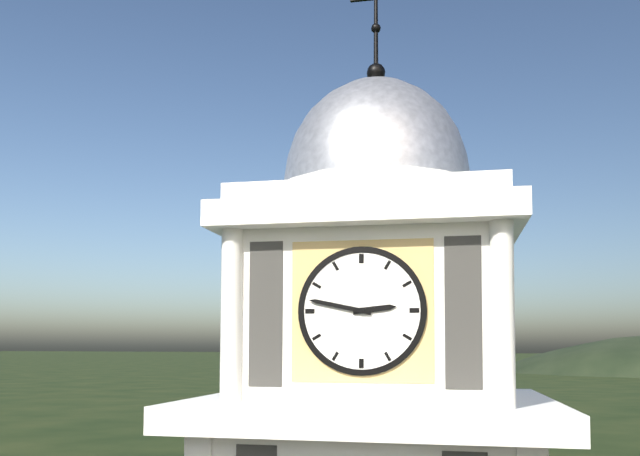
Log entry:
**2:47**
